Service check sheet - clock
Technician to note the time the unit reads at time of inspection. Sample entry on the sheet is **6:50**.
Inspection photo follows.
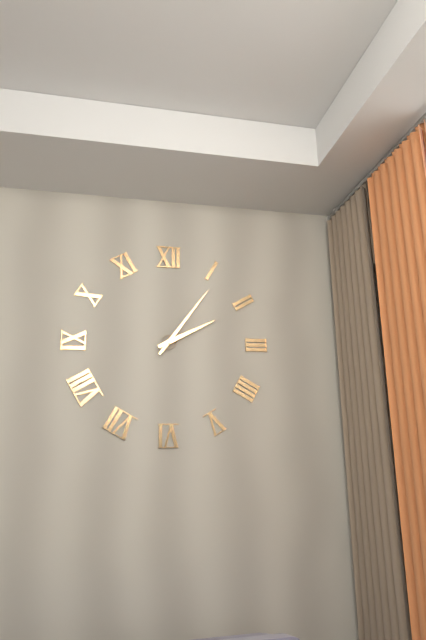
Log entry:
**2:06**
